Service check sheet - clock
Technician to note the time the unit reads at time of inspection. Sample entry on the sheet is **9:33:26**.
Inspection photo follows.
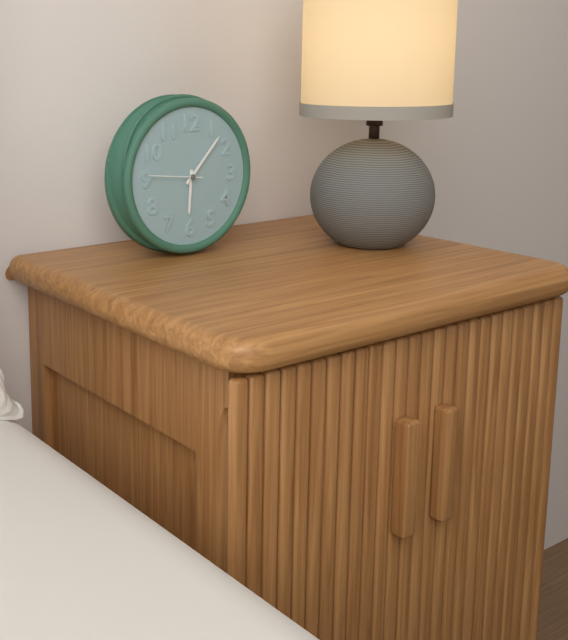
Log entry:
**6:07:46**
